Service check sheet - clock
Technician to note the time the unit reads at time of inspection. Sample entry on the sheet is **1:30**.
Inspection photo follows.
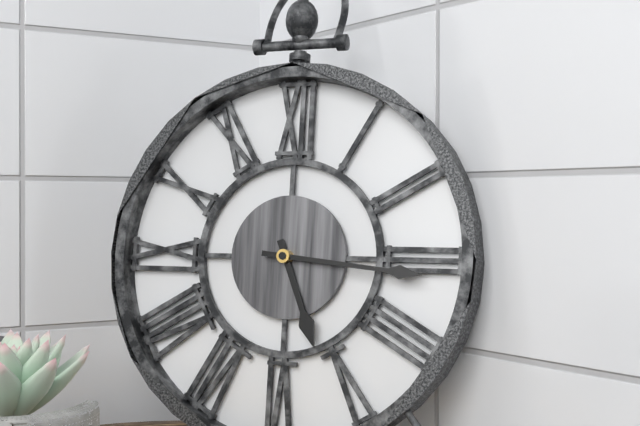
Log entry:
**5:16**
